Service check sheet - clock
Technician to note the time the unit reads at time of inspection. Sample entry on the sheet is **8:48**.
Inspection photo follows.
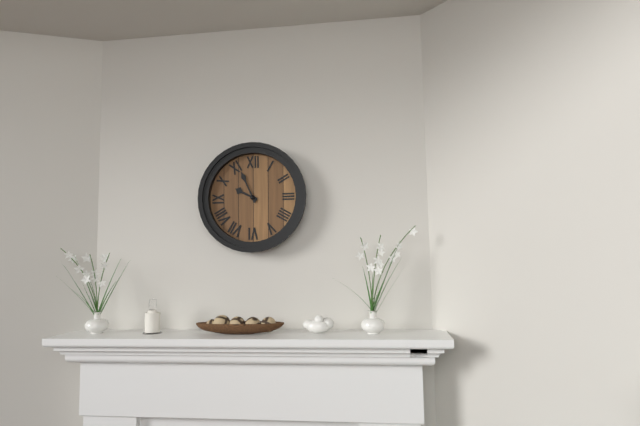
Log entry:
**9:56**
